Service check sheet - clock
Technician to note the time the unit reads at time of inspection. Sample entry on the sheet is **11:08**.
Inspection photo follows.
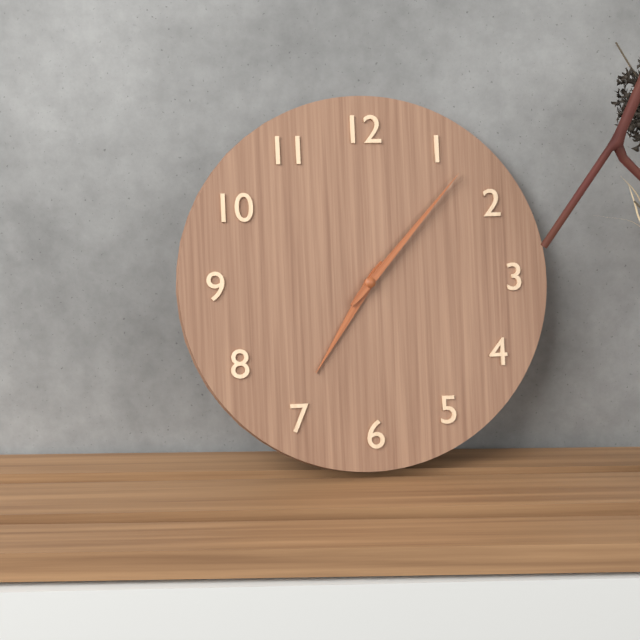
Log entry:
**7:07**
